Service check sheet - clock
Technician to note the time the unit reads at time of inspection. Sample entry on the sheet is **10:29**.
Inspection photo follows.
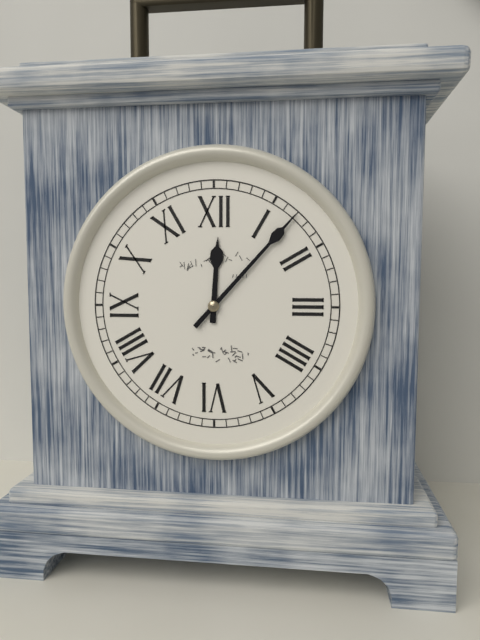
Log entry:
**12:07**
